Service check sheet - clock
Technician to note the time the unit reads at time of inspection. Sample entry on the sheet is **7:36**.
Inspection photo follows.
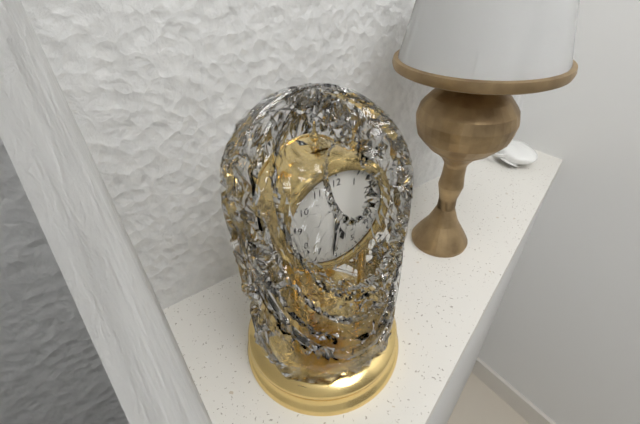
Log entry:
**5:31**
